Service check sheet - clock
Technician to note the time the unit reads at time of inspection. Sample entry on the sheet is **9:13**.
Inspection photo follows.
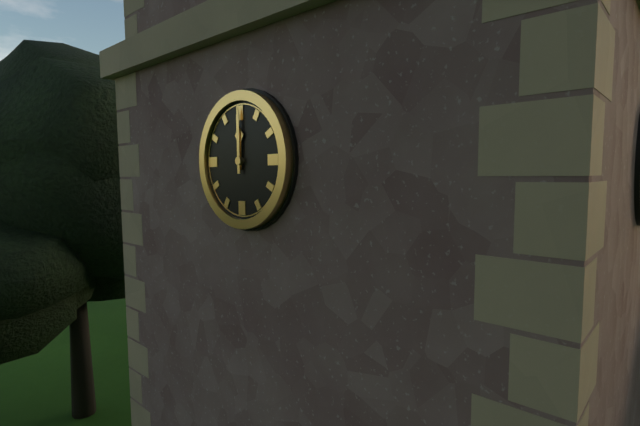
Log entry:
**12:00**
